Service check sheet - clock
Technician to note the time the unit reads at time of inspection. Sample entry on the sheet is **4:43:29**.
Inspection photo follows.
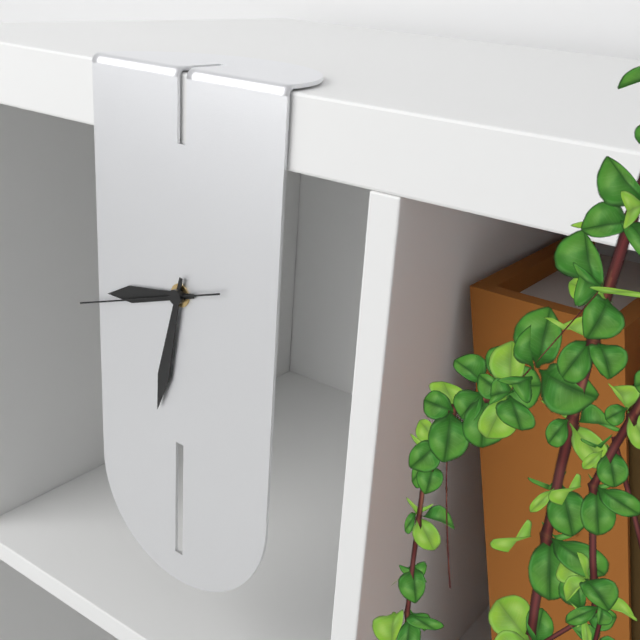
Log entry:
**8:32:42**
